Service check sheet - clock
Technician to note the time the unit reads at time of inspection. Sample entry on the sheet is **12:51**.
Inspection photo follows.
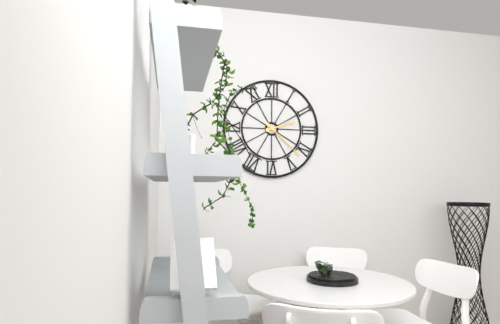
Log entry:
**2:22**
